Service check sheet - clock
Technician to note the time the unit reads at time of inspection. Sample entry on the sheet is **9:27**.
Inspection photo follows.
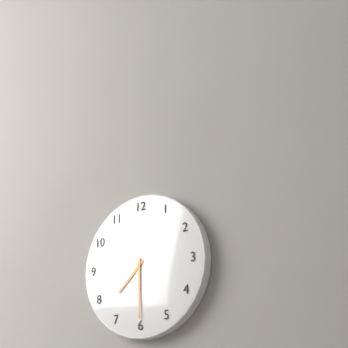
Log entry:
**7:30**
